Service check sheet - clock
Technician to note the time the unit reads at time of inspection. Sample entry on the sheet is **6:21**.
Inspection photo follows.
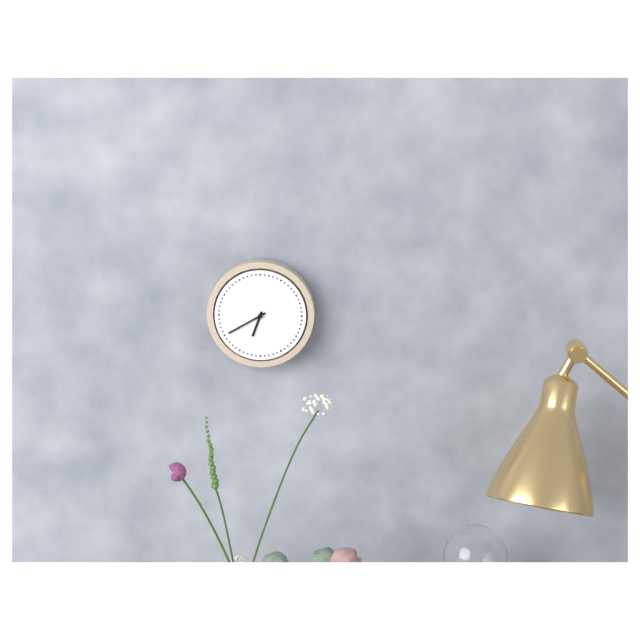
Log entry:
**6:40**
